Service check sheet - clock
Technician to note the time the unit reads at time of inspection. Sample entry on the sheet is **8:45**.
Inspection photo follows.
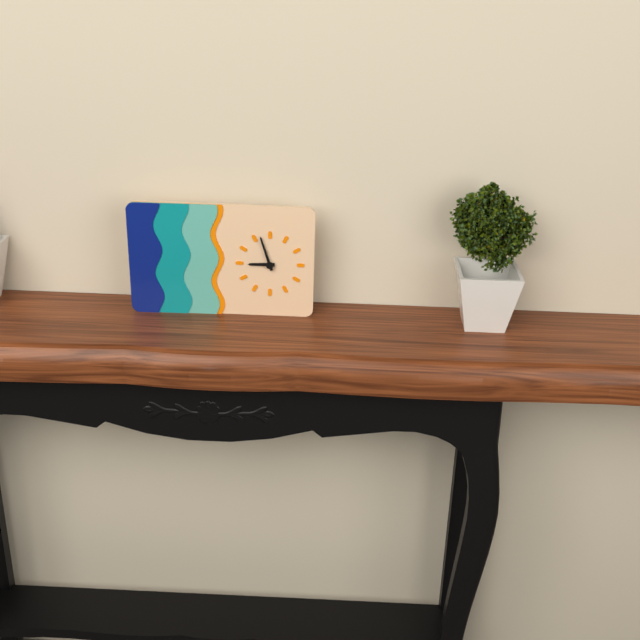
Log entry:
**8:57**
